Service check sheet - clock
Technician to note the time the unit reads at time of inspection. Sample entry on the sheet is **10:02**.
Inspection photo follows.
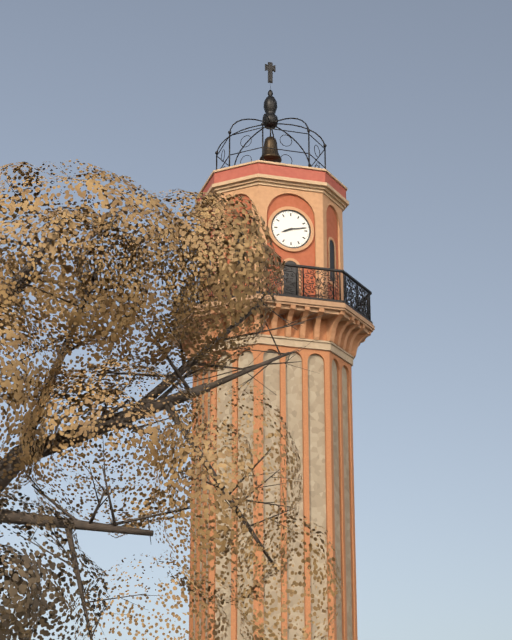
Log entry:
**8:13**
